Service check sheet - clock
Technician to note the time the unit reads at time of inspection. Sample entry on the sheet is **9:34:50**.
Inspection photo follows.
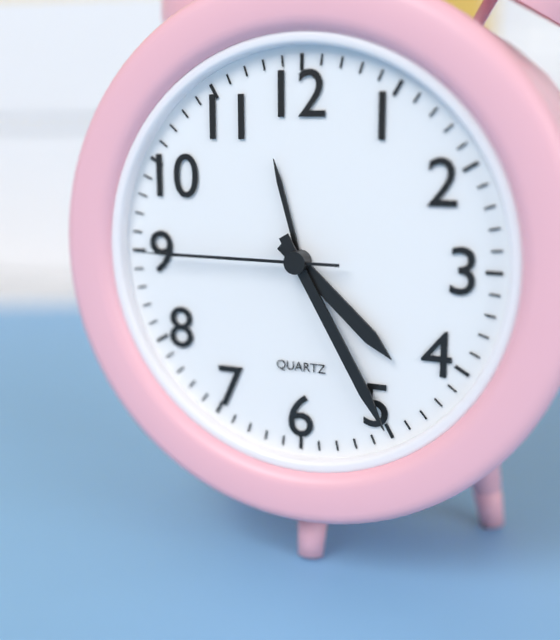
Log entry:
**4:25:45**
